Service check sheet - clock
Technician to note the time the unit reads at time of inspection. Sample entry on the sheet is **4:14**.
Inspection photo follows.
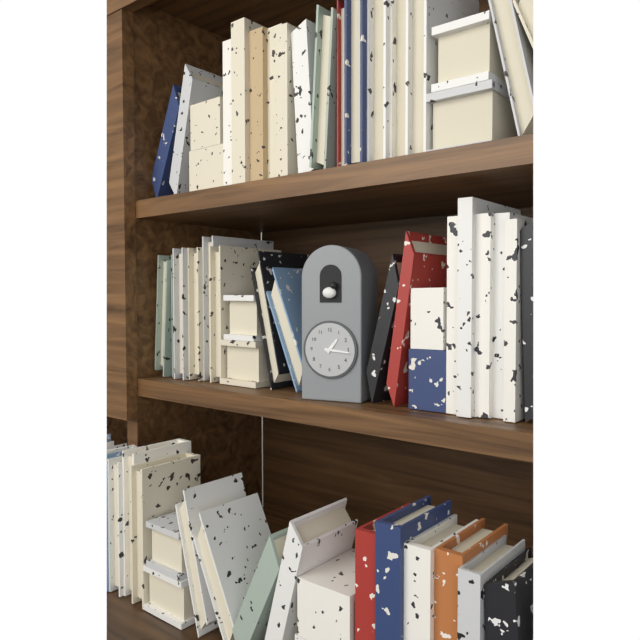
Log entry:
**1:16**
